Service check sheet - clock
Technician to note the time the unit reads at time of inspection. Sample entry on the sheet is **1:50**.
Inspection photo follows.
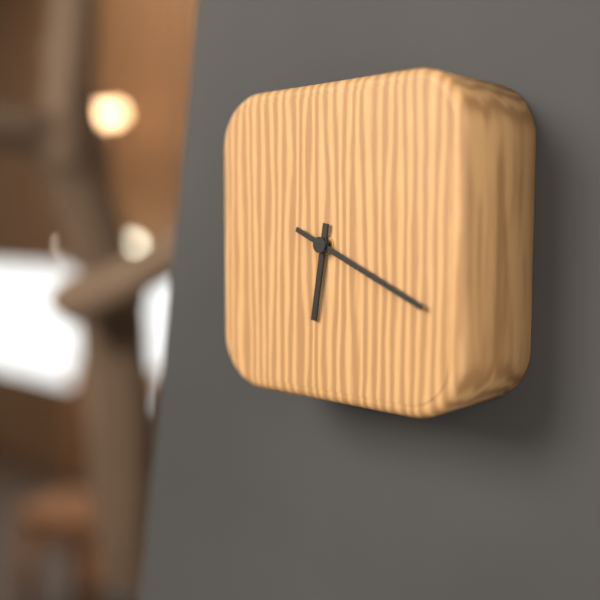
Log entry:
**6:19**
